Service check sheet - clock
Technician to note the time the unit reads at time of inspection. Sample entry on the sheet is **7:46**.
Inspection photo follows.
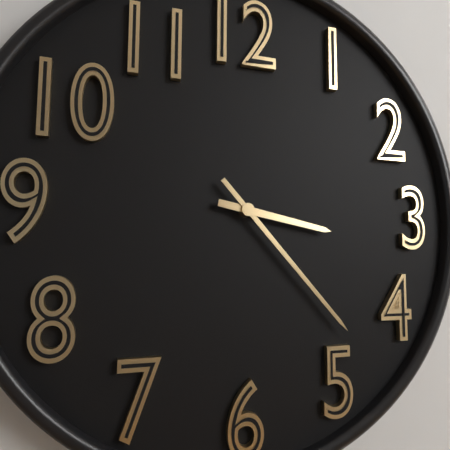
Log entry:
**3:23**
